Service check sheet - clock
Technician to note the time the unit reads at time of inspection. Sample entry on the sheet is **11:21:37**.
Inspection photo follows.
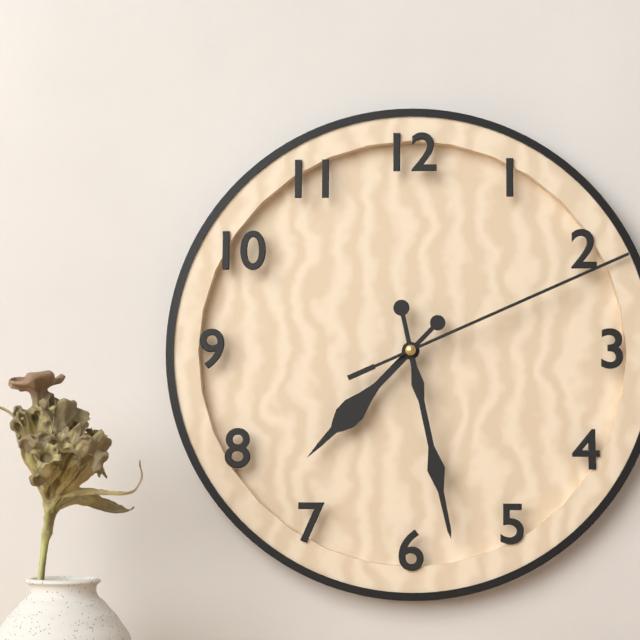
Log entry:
**7:28:11**
